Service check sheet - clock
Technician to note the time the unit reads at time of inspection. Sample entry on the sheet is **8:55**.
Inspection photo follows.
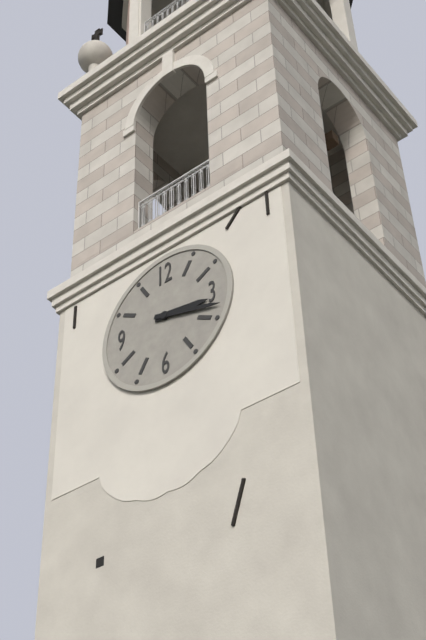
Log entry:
**3:18**
